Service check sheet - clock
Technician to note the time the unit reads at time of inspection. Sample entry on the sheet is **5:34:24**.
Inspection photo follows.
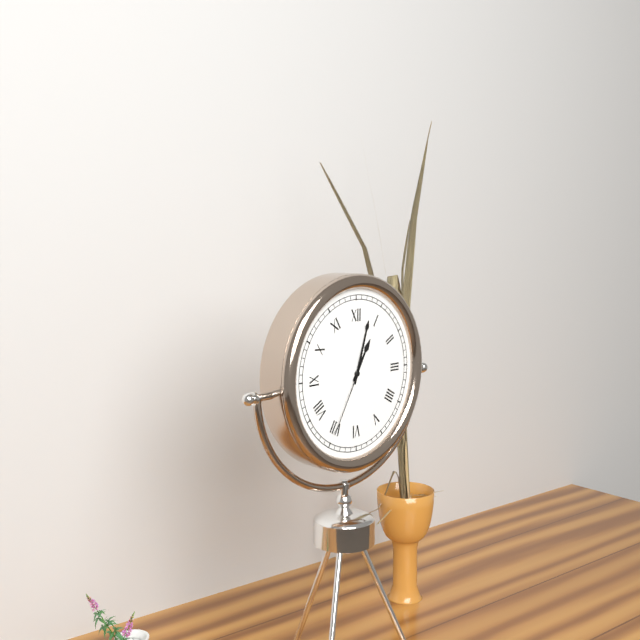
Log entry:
**1:03:35**
